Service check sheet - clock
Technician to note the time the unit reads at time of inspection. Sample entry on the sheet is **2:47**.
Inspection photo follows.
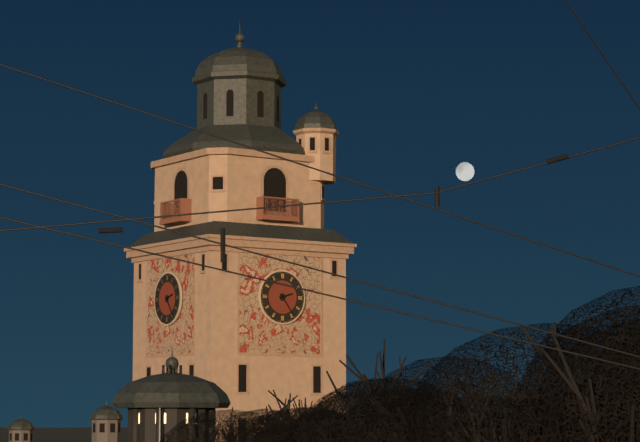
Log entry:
**2:24**
